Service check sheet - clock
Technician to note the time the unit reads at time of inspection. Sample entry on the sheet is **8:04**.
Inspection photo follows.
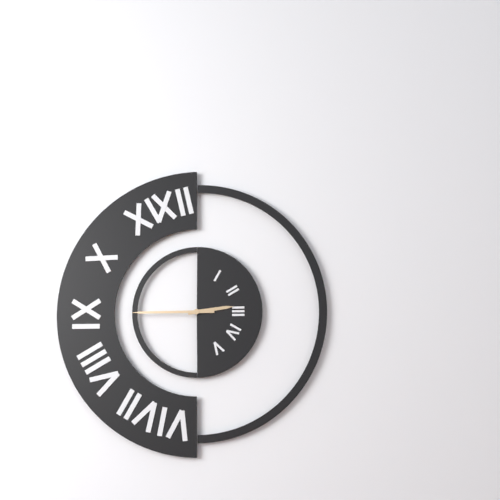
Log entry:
**2:45**
